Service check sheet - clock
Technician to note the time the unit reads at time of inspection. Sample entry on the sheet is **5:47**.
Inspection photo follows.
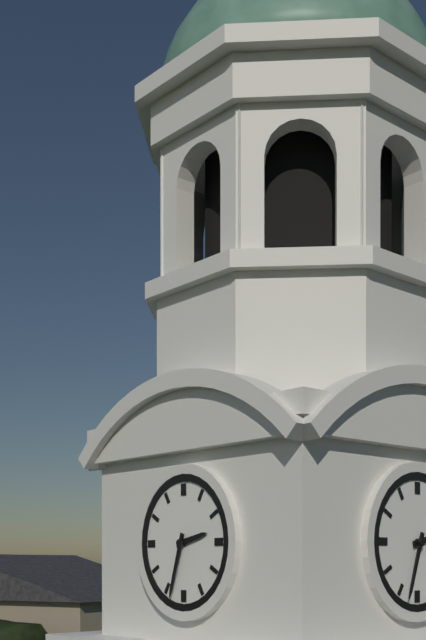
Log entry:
**2:33**
